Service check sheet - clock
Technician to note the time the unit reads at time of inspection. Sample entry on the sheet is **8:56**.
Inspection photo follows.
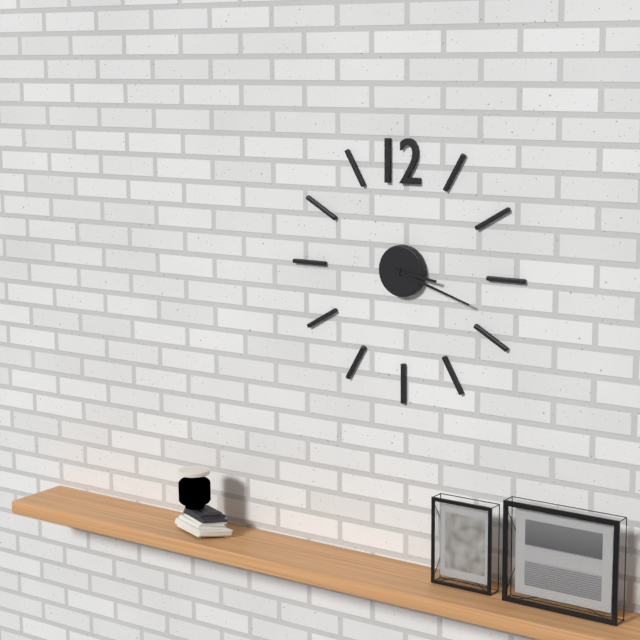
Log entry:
**3:18**
